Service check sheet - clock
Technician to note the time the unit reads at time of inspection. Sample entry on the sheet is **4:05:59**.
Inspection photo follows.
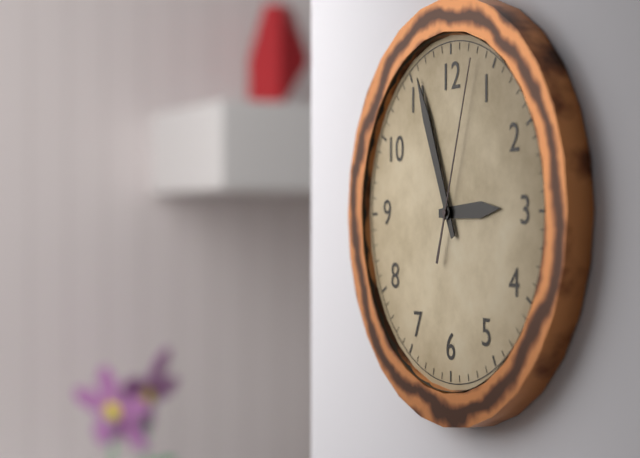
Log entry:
**2:56:03**
